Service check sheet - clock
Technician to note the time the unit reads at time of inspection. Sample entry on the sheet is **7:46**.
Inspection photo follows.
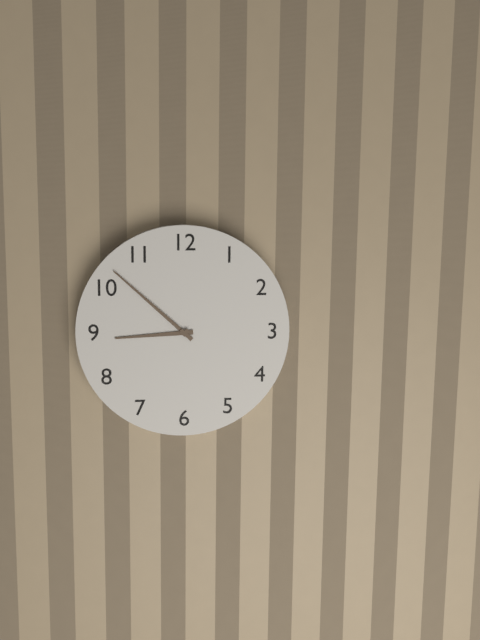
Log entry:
**8:52**
